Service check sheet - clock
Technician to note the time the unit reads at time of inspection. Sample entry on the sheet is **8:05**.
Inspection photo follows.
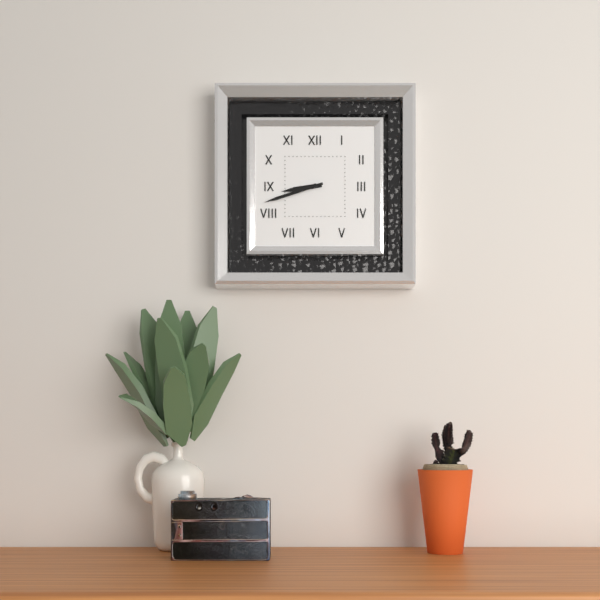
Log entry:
**8:42**
